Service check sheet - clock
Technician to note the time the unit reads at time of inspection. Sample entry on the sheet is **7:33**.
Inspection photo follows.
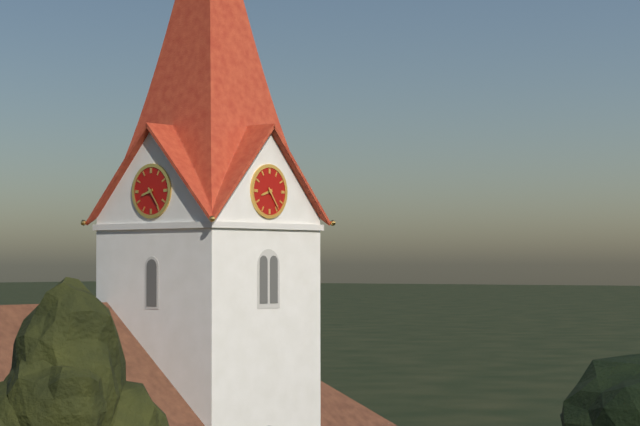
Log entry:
**8:24**
